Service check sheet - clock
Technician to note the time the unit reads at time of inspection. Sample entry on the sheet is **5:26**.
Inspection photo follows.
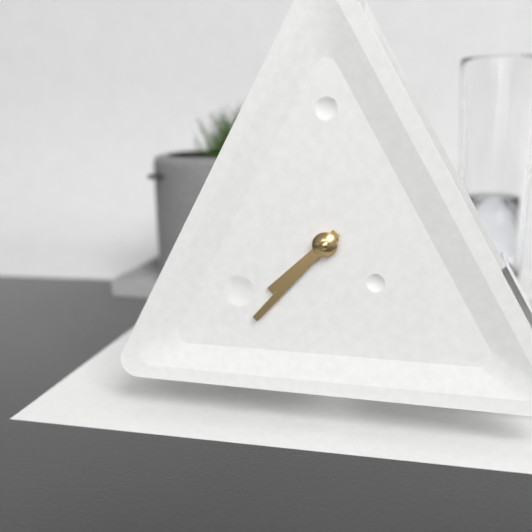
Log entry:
**7:37**
